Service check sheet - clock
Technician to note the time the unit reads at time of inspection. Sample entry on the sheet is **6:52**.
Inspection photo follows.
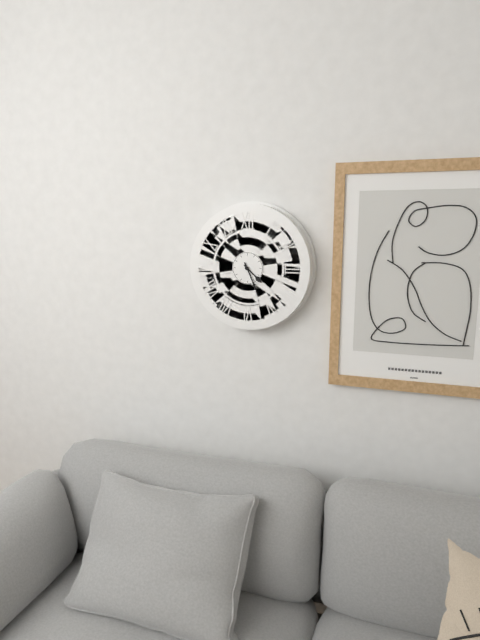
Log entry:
**4:26**
